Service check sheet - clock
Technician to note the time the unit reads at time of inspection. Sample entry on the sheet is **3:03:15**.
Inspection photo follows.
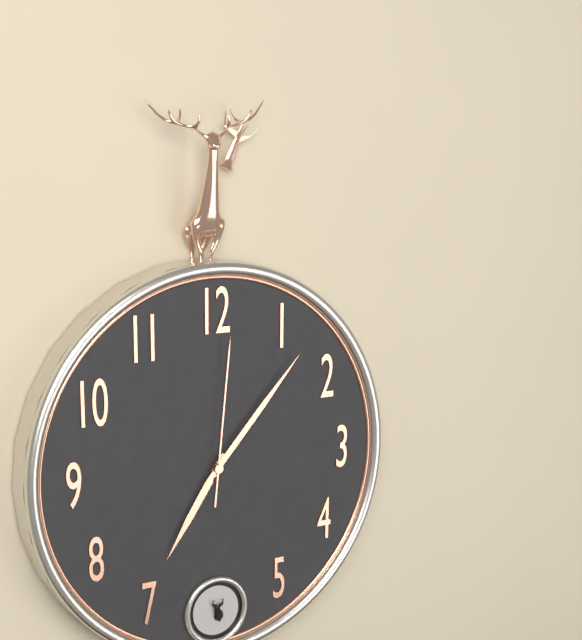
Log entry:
**7:07:01**
